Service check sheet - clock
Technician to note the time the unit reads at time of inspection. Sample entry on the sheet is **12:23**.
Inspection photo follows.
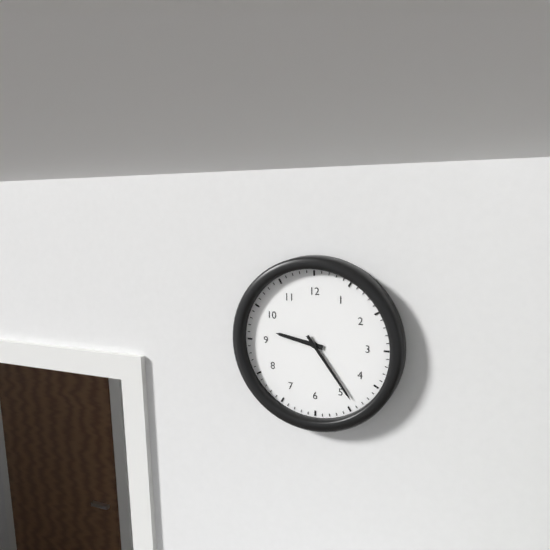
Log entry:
**9:24**
